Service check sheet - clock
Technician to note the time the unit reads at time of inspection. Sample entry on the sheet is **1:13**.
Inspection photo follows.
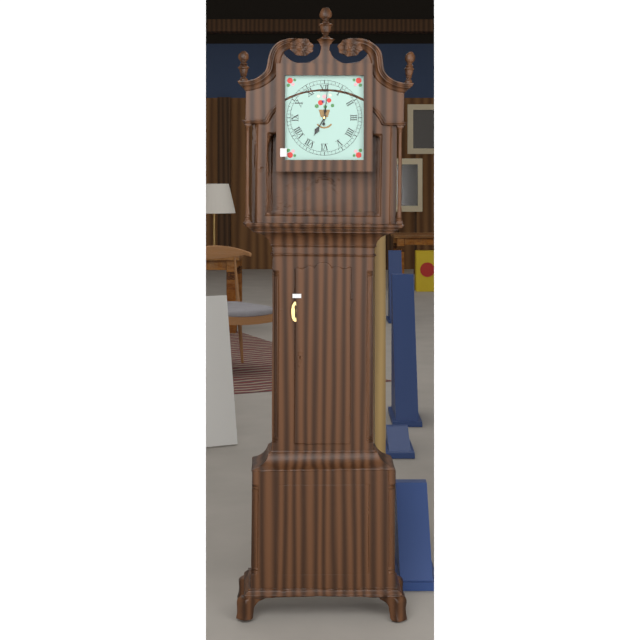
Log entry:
**7:01**
